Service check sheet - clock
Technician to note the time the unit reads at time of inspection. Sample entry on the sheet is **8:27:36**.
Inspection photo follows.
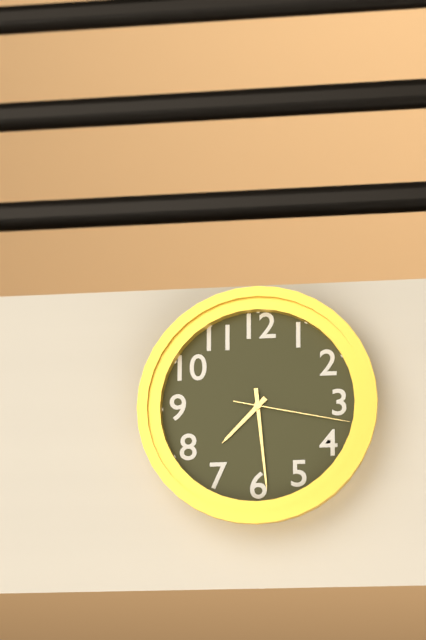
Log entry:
**7:29:17**
